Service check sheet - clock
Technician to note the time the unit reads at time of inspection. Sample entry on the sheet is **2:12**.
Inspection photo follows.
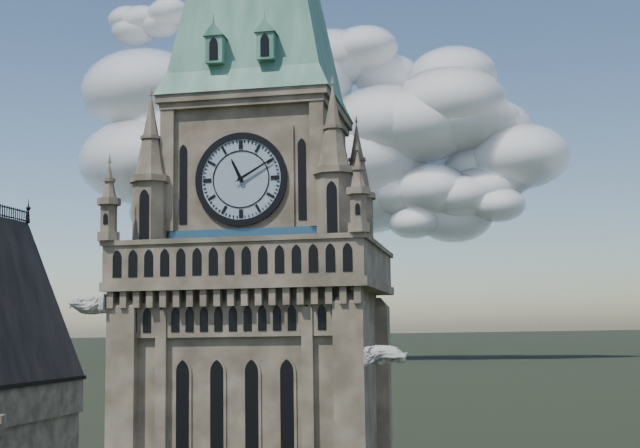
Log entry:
**11:10**
